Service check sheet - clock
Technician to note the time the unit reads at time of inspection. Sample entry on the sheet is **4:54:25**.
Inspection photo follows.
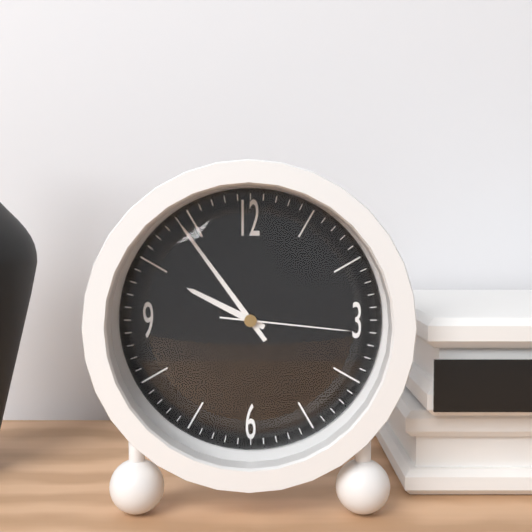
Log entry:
**9:54:16**
